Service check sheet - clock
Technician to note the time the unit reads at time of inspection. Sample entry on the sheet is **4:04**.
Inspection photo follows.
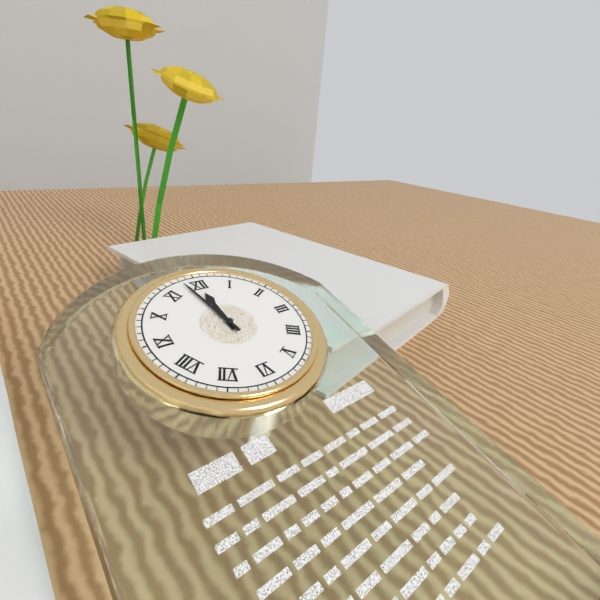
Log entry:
**11:58**
